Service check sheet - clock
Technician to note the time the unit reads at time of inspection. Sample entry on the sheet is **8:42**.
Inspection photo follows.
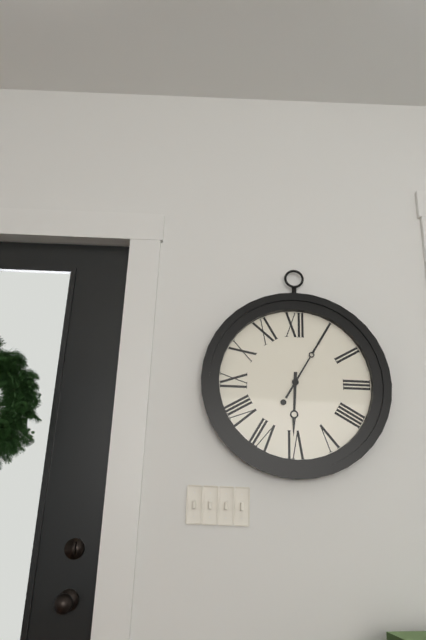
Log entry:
**6:05**
